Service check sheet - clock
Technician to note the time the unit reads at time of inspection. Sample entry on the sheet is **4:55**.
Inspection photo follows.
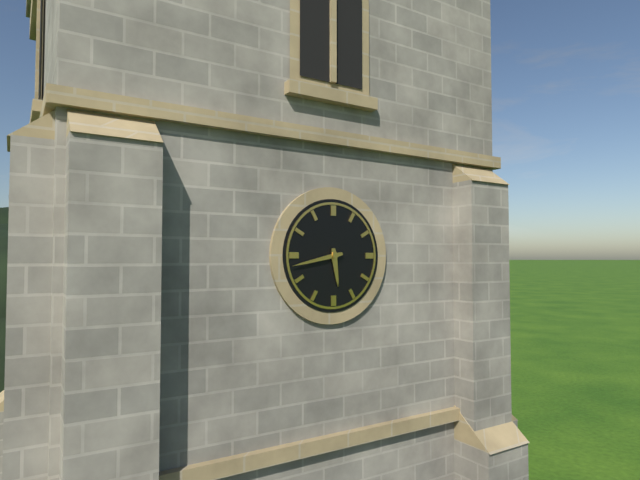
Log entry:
**5:43**
